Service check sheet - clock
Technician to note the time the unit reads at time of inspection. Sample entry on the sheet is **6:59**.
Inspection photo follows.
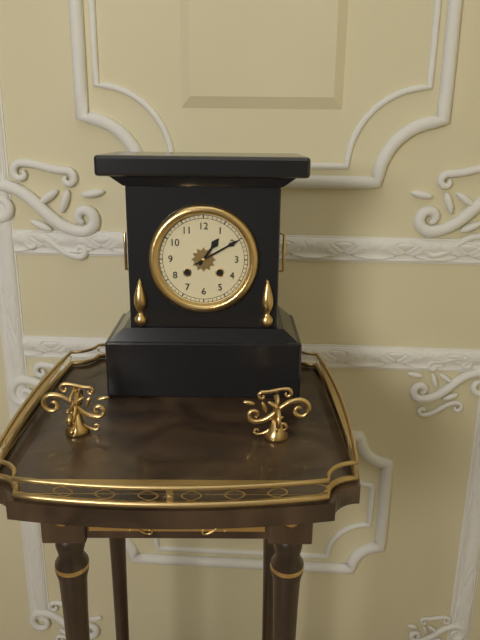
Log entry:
**1:10**
